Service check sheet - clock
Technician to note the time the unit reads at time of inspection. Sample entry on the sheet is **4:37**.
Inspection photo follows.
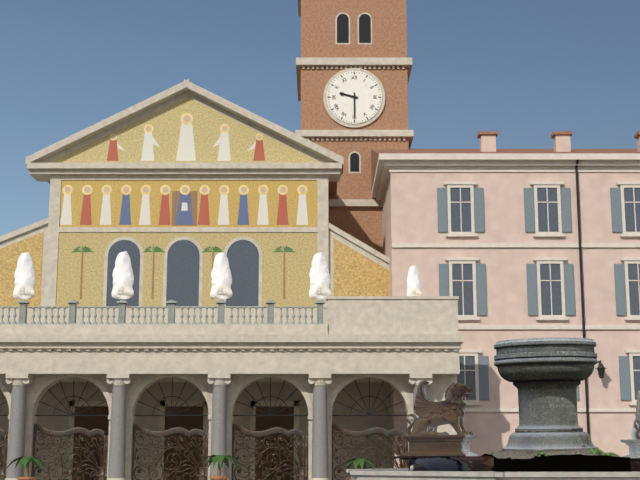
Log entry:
**9:30**
